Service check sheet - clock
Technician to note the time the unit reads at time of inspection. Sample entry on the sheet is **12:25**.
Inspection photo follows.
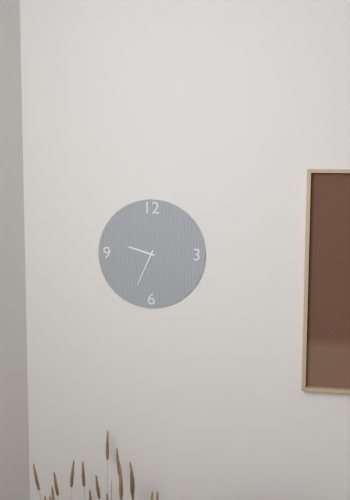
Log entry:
**9:34**
